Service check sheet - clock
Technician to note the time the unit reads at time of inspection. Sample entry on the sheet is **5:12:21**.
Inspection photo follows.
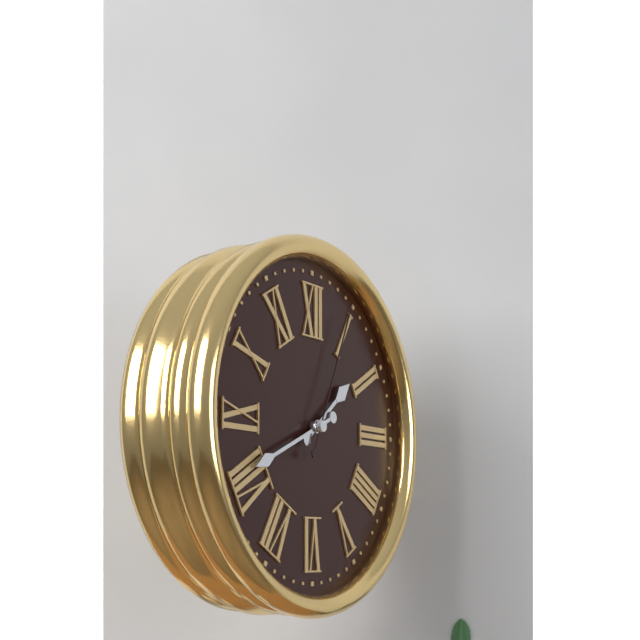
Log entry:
**1:41:04**
